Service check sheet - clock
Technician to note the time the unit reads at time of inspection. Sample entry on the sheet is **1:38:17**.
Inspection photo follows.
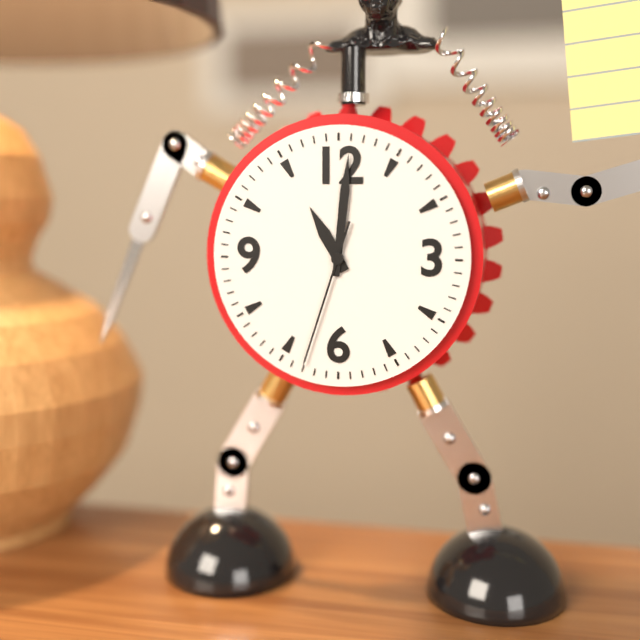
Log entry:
**11:01:33**
